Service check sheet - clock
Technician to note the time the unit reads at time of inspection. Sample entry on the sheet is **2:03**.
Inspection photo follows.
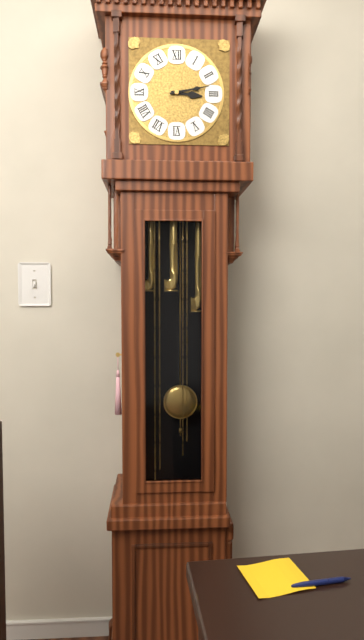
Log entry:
**3:13**
